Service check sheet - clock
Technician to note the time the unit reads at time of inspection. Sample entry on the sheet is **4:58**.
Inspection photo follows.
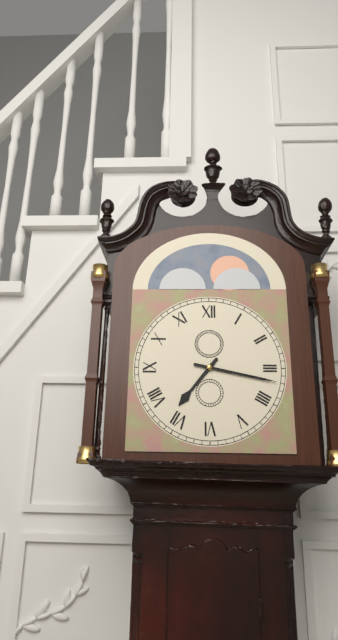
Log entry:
**7:17**
